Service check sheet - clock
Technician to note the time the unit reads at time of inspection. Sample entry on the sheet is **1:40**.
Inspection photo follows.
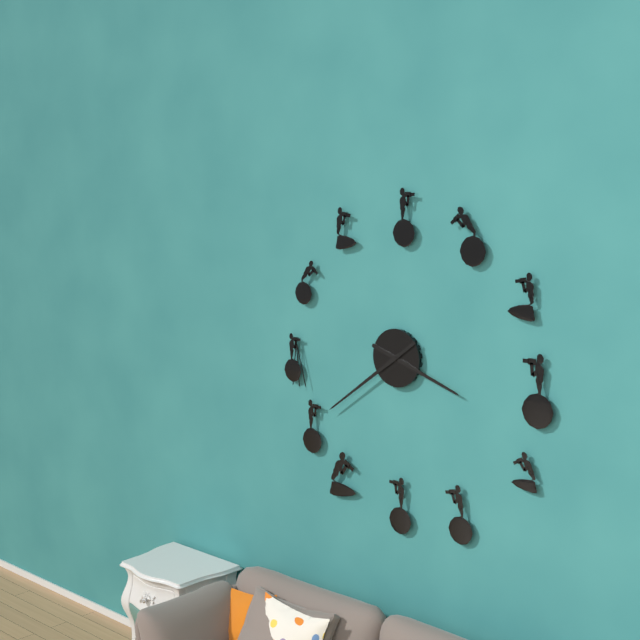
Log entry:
**3:39**
